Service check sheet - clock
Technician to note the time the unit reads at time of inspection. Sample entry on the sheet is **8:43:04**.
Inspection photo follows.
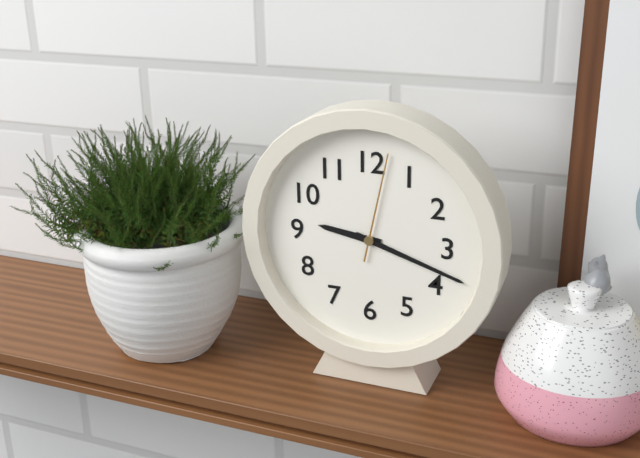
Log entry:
**9:18:02**
